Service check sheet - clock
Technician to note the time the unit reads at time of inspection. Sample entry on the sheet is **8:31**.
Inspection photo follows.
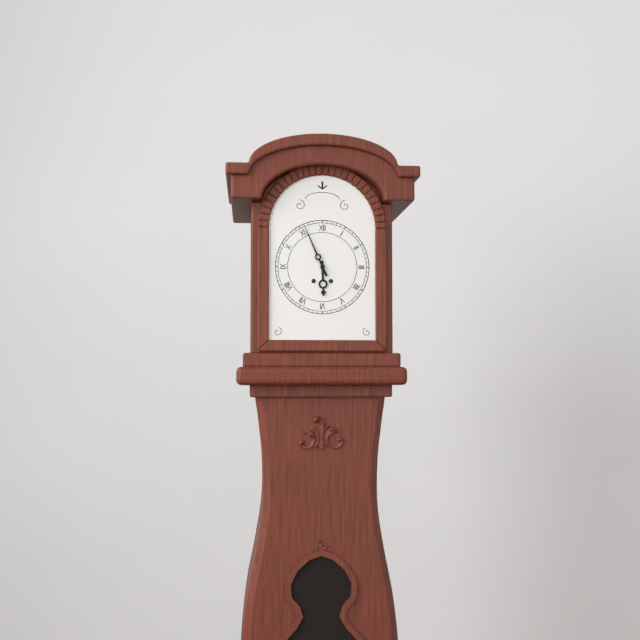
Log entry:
**5:56**
